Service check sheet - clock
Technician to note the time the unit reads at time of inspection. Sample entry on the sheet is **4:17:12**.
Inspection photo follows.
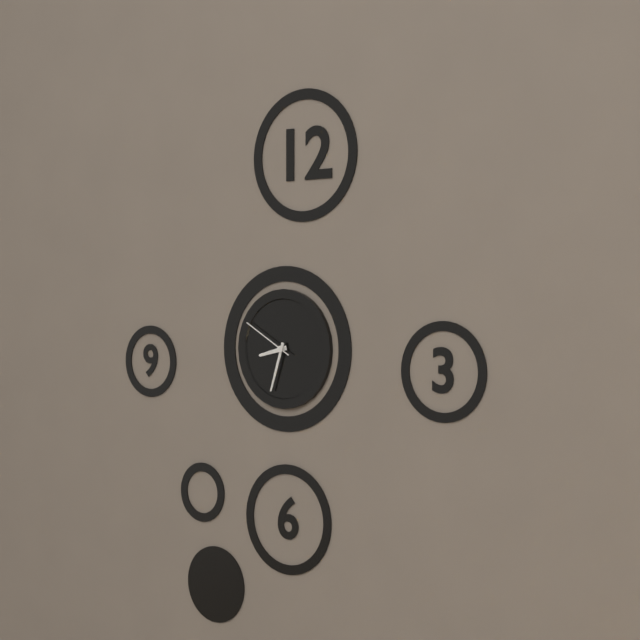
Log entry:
**8:33:50**
